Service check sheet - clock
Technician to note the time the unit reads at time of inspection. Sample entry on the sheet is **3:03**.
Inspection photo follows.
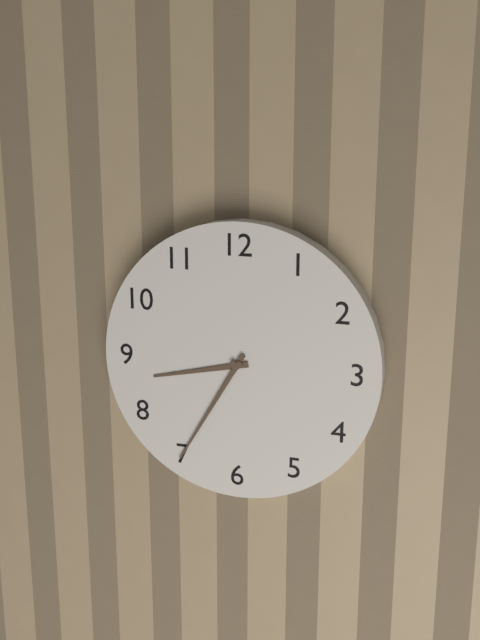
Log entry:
**8:35**
